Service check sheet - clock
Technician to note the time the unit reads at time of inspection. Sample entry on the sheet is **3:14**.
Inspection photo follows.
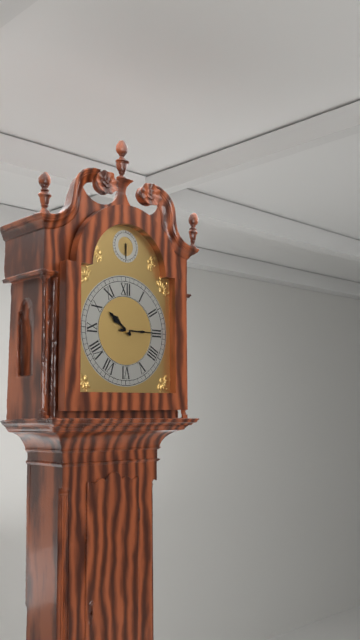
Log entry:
**10:15**
